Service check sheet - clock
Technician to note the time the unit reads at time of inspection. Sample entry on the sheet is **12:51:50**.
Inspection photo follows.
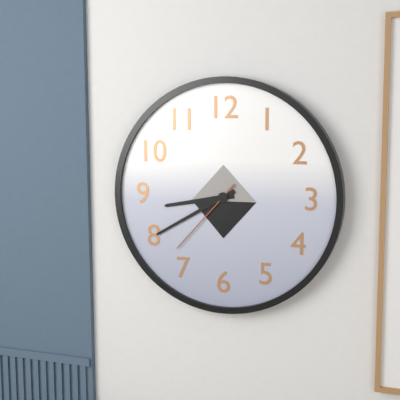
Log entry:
**8:40:37**
